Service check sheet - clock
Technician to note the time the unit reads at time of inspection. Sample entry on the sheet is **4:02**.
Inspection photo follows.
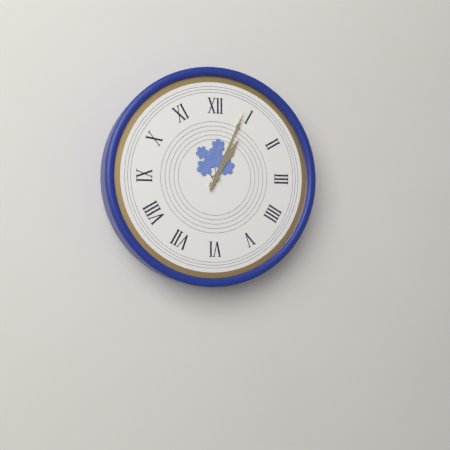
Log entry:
**1:04**
